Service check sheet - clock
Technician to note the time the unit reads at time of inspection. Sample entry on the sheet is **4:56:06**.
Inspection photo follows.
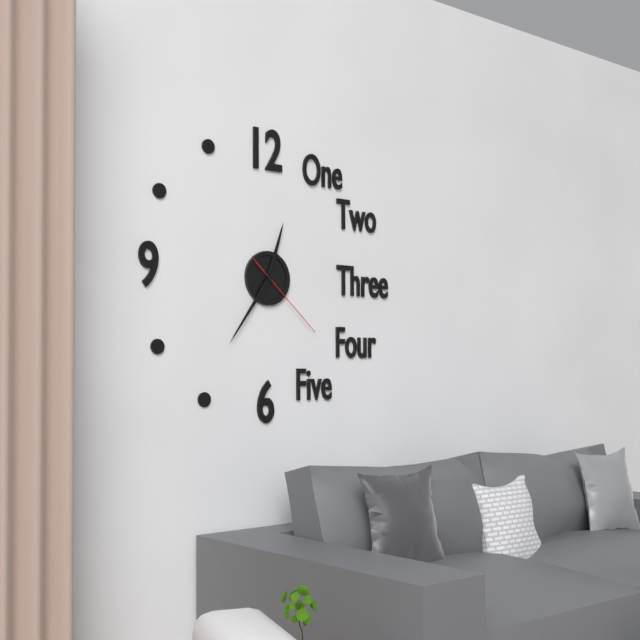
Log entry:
**12:36:22**
